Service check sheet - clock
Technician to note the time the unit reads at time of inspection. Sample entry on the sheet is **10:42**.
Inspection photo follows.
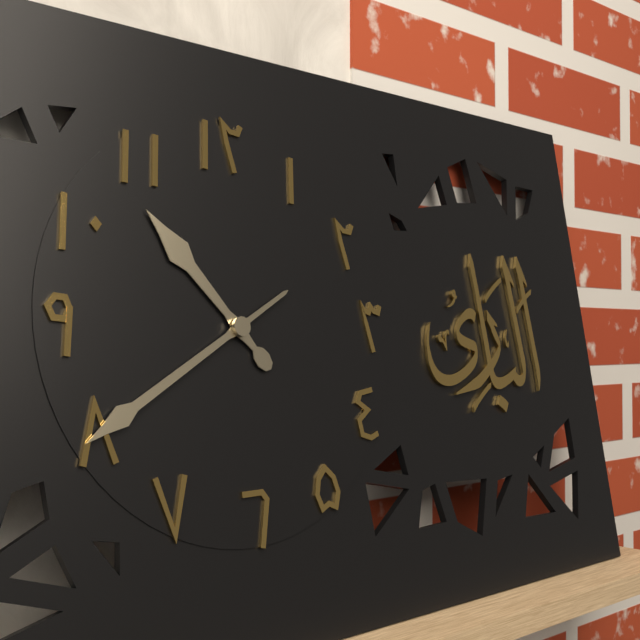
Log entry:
**10:40**
